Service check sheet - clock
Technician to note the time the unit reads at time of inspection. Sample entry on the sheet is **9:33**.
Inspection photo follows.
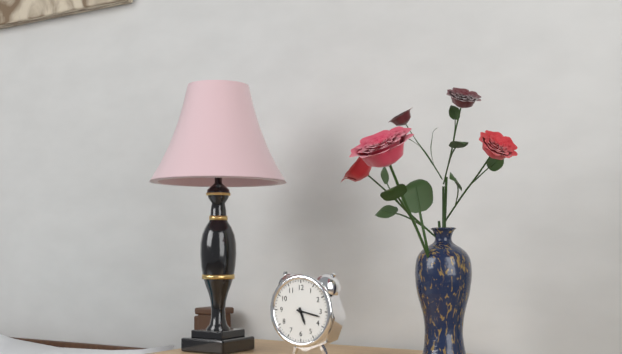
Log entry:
**5:17**
